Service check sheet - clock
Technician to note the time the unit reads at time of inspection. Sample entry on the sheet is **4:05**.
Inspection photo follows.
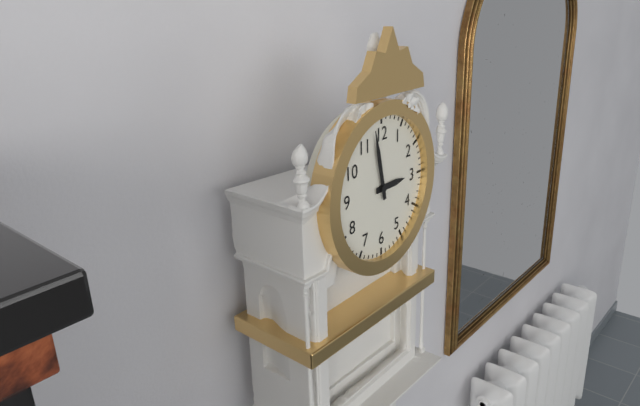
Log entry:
**2:58**
